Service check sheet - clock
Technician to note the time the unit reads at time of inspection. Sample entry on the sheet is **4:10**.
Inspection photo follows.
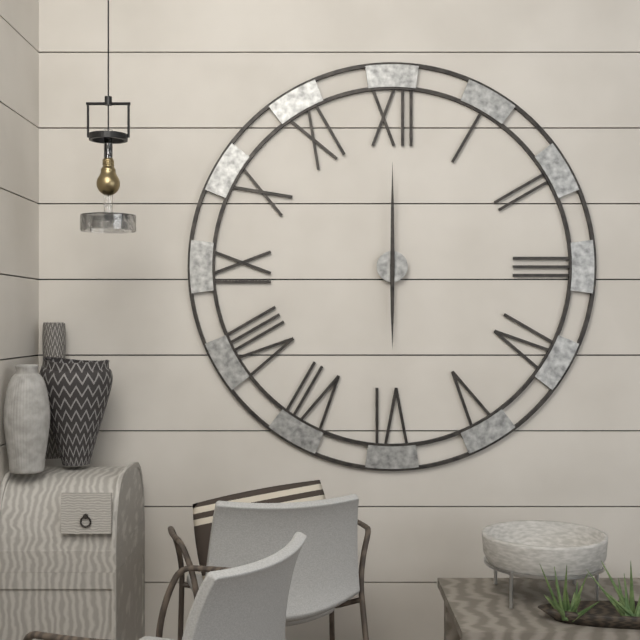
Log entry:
**6:00**
